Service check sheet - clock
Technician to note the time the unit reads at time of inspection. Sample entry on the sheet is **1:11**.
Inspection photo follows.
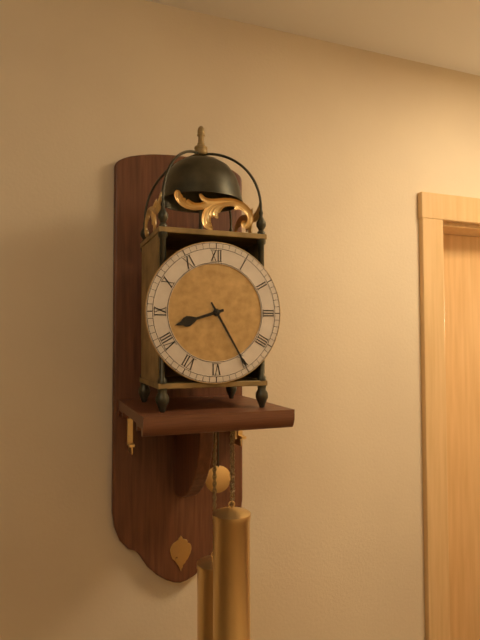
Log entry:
**8:25**
